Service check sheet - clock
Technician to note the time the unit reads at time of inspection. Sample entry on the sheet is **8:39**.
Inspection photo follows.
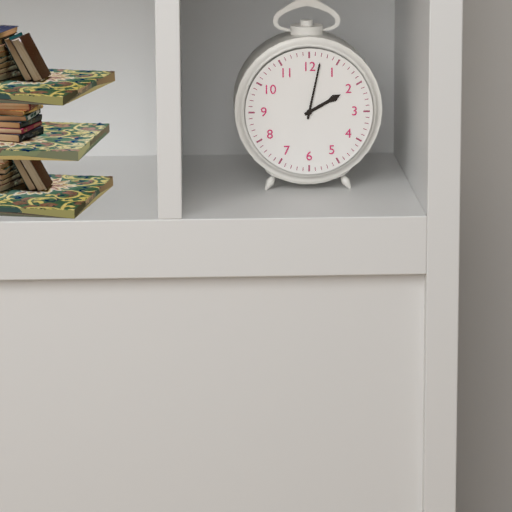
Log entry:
**2:02**
